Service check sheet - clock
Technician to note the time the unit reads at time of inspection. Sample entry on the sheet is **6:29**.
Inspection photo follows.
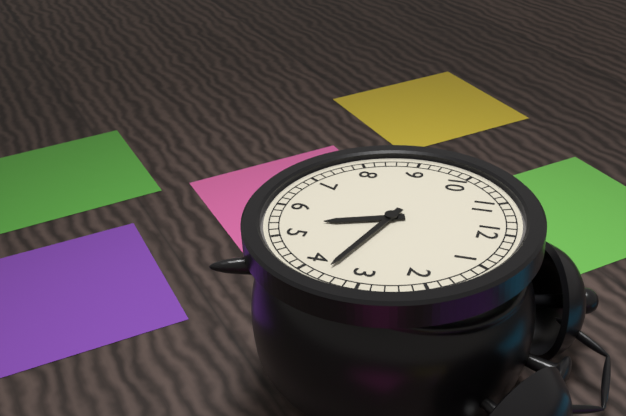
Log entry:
**5:18**
